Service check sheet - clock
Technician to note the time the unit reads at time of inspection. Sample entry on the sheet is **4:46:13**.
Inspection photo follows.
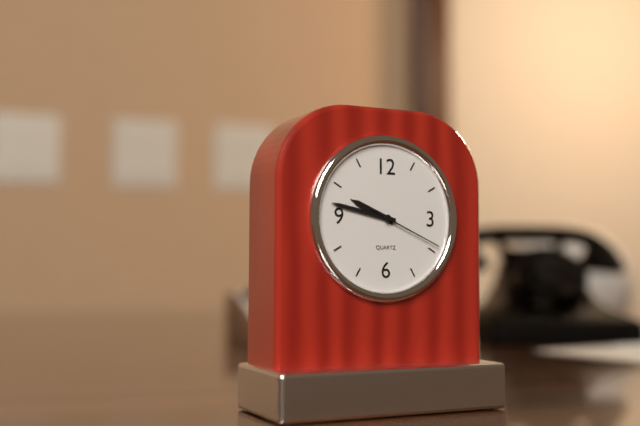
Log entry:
**9:47:19**
